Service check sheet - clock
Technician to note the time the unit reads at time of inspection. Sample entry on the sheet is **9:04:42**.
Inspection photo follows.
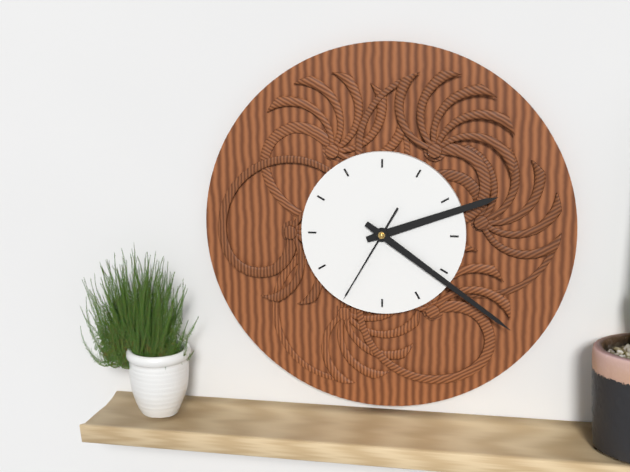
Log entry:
**2:21:35**
